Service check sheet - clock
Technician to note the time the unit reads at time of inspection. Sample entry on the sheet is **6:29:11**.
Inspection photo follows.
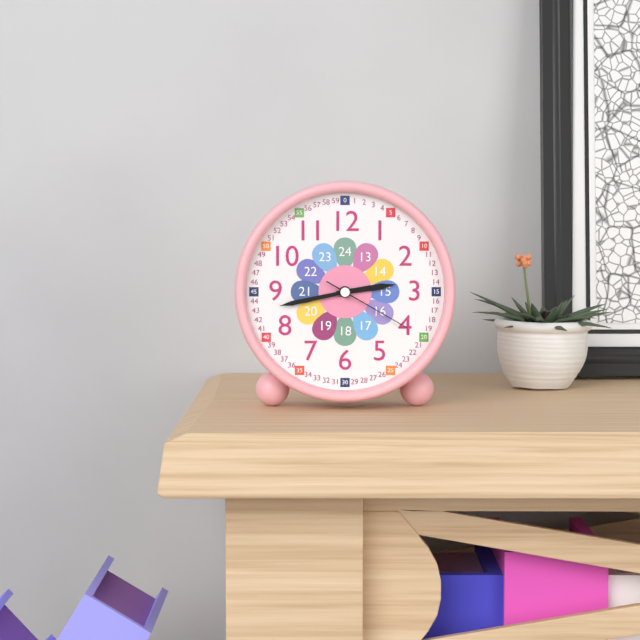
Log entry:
**2:43:20**
